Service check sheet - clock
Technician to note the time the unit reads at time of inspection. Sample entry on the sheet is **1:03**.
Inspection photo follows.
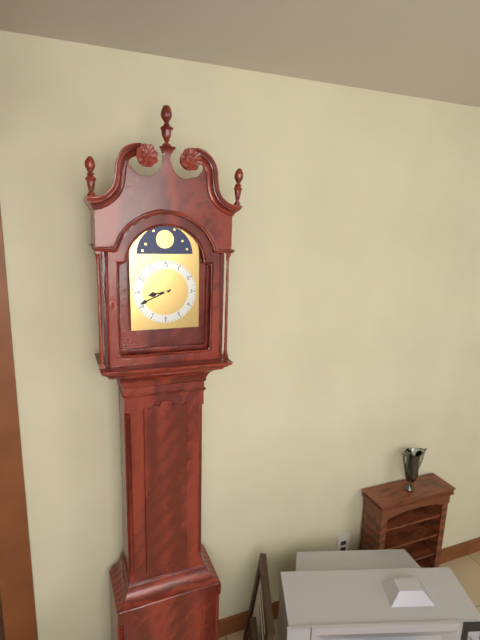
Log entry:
**8:41**
